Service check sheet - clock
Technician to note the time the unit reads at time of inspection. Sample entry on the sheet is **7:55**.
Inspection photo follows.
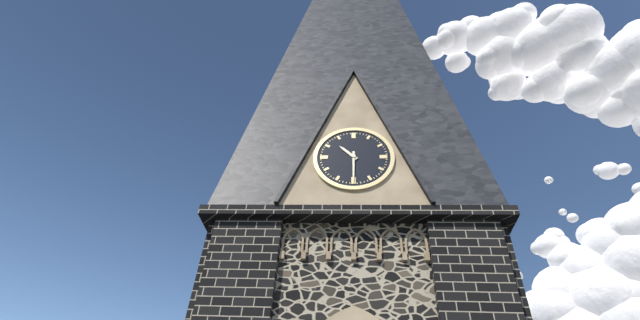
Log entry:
**10:30**
